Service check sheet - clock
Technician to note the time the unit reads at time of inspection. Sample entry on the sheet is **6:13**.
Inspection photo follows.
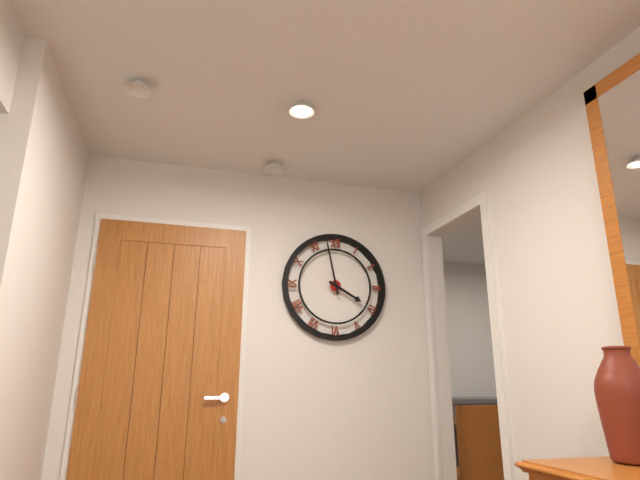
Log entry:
**3:58**
